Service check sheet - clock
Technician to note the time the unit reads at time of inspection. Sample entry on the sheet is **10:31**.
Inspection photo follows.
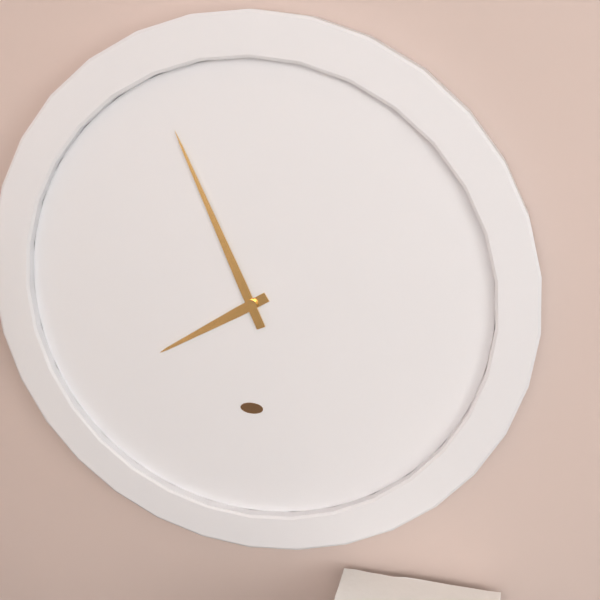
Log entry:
**7:56**
